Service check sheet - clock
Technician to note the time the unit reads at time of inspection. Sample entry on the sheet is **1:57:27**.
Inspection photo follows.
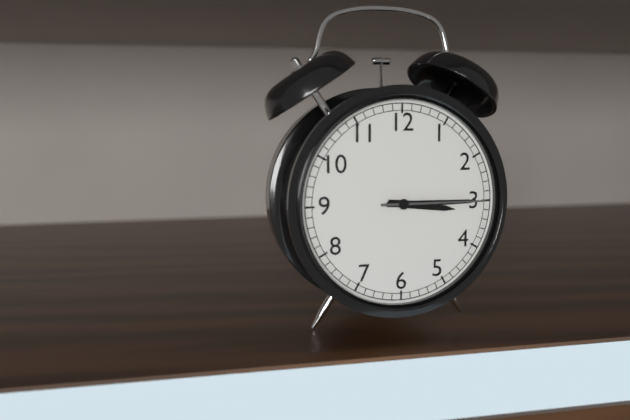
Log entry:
**3:15:15**
